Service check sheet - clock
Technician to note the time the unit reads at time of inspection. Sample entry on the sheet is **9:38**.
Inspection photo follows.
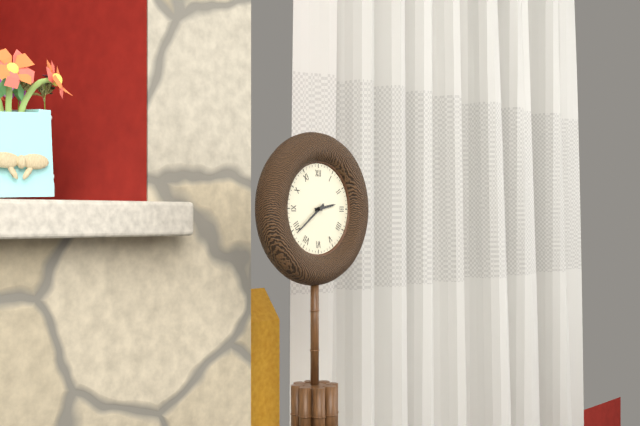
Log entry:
**2:39**
